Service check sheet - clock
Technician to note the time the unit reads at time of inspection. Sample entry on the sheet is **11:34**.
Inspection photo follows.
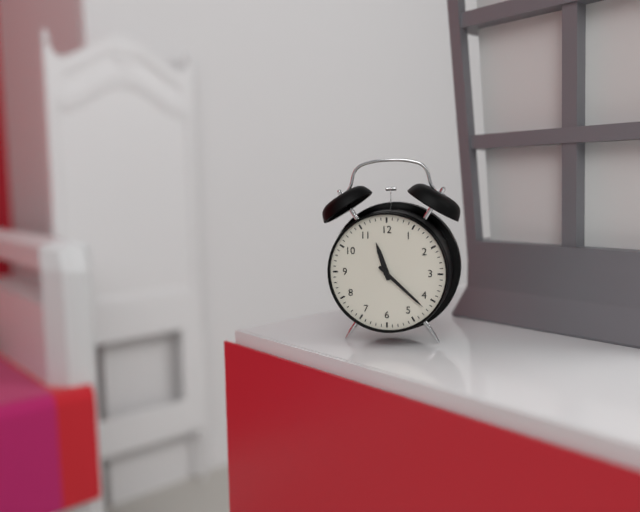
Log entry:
**11:22**
